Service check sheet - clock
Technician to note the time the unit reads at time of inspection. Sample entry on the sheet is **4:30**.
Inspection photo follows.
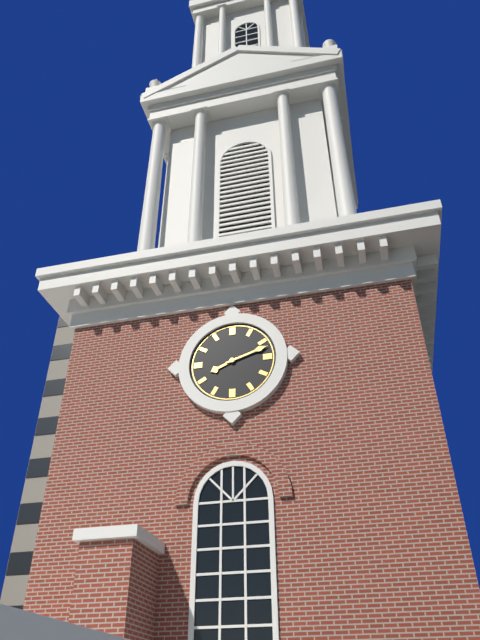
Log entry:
**8:12**
